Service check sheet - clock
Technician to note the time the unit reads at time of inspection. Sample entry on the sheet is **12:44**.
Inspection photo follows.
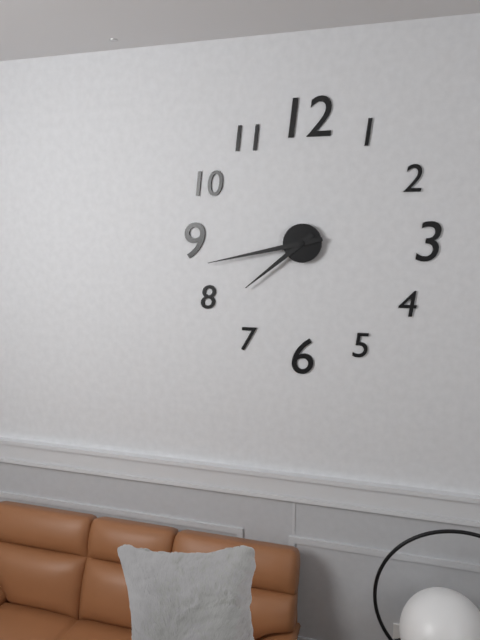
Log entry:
**7:43**
